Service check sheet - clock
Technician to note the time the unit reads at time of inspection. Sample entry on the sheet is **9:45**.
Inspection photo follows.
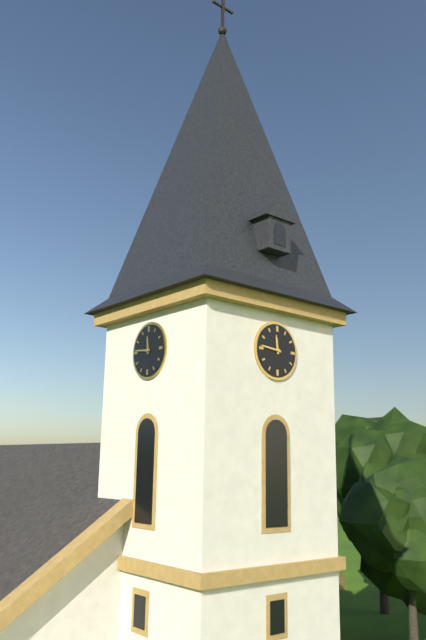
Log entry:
**11:46**
